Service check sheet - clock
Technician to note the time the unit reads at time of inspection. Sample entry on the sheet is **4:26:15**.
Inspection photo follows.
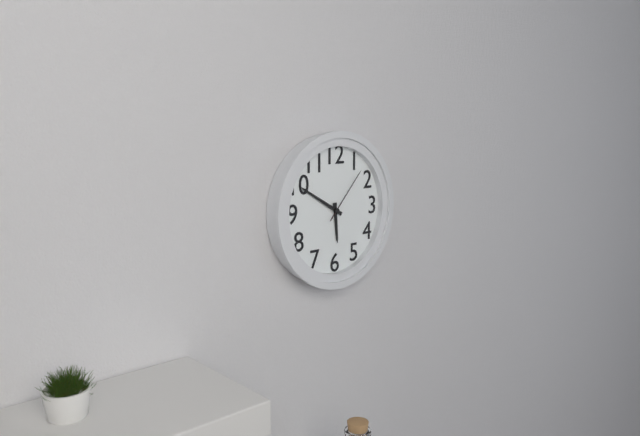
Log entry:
**5:50:07**
